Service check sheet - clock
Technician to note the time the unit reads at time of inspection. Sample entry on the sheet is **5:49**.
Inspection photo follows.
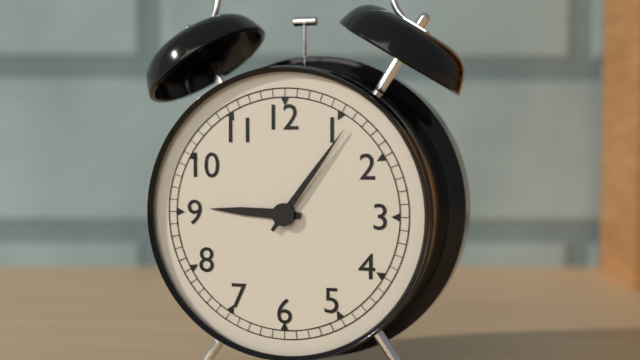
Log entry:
**9:06**
